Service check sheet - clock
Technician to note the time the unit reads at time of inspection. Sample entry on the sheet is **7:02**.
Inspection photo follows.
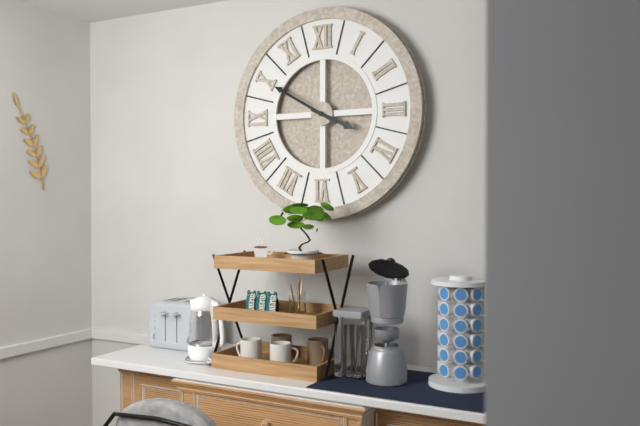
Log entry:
**3:50**
